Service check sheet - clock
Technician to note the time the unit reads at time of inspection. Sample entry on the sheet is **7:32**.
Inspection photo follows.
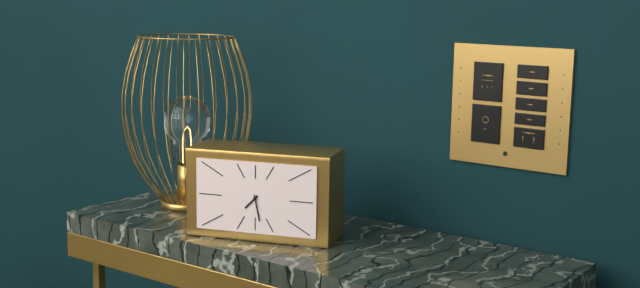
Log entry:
**7:28**
